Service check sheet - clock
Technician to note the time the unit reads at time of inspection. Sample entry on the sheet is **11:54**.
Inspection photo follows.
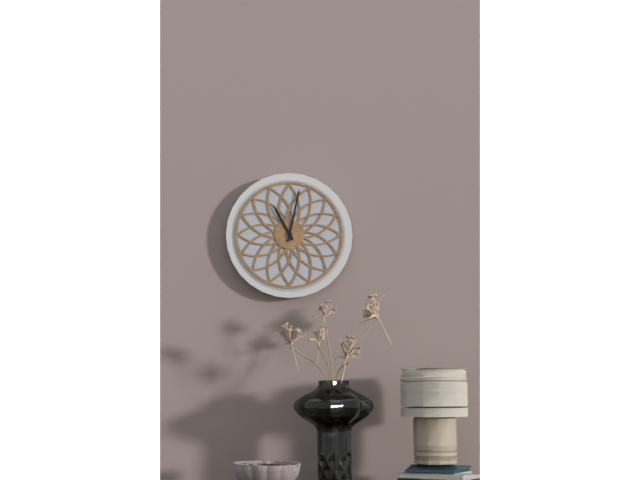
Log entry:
**11:02**
